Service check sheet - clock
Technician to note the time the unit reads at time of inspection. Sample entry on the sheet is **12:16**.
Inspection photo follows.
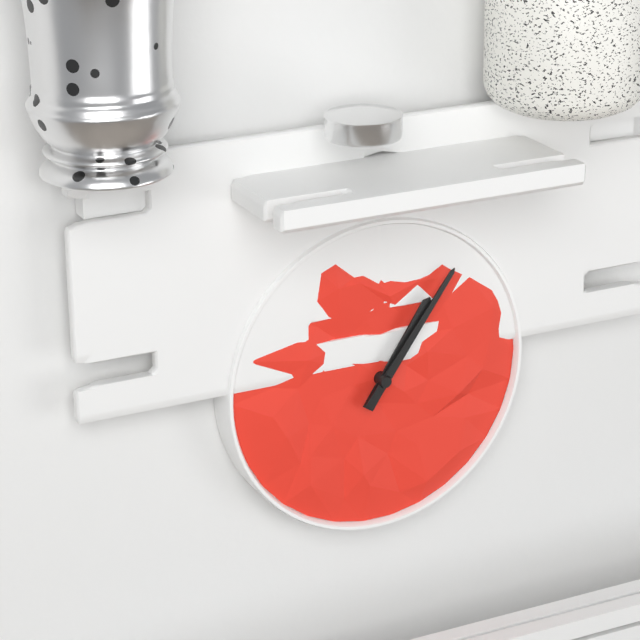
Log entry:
**1:06**
